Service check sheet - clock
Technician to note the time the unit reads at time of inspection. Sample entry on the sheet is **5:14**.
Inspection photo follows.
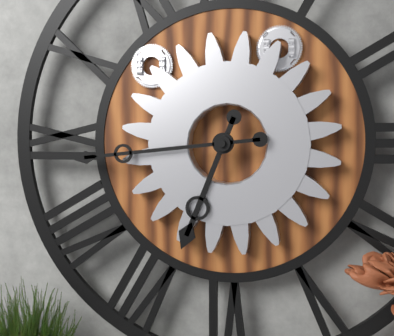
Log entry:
**6:44**
